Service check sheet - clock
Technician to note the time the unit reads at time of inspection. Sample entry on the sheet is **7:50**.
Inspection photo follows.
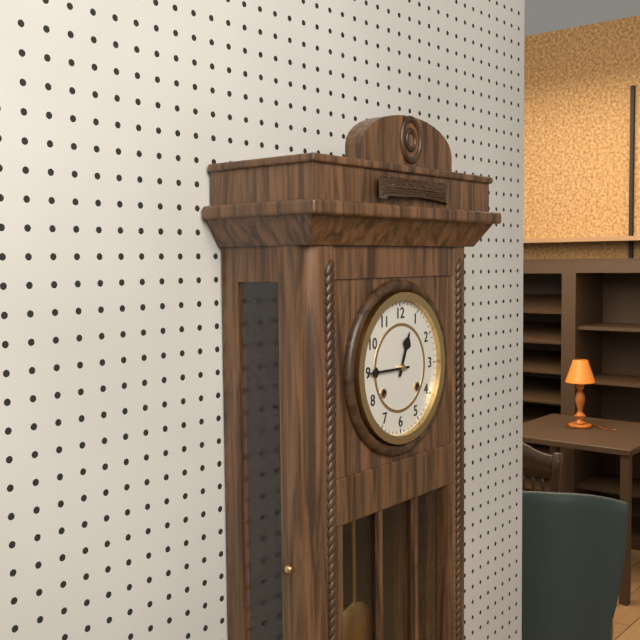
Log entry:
**12:45**
